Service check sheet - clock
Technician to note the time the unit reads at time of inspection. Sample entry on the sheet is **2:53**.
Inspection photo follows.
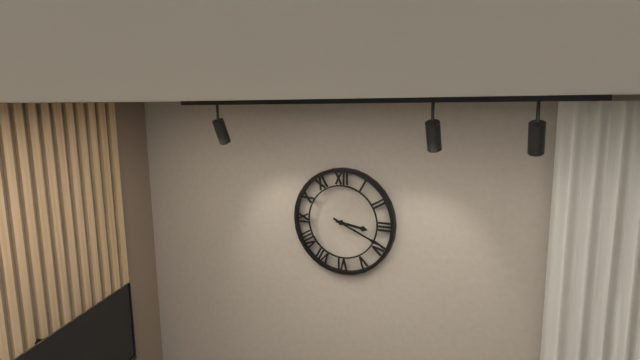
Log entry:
**3:19**
